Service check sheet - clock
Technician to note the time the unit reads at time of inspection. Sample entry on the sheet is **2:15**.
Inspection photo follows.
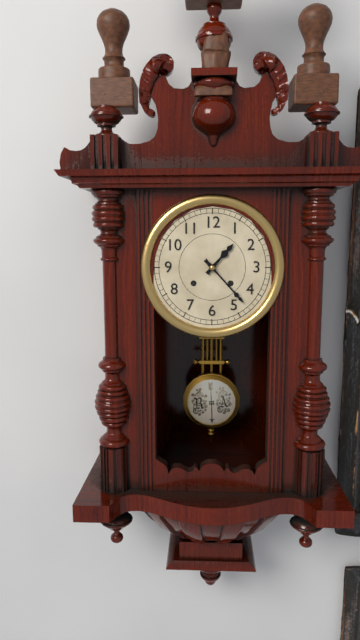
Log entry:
**1:23**
